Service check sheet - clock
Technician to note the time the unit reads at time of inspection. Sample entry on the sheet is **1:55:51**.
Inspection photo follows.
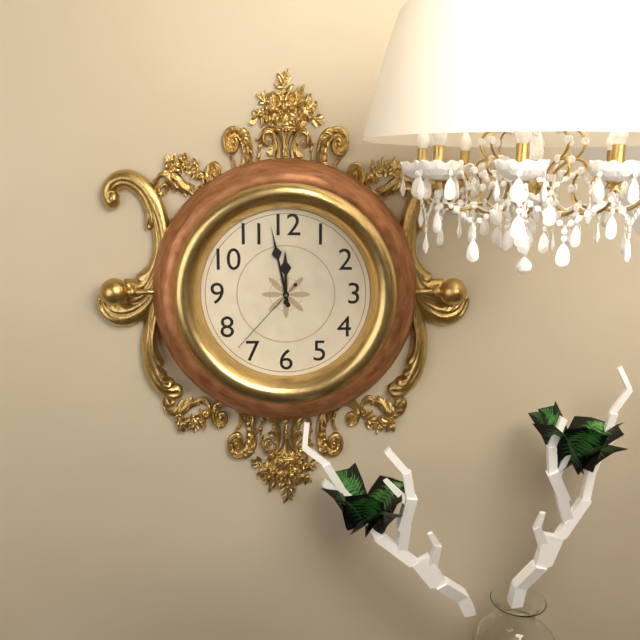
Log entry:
**11:58:37**
